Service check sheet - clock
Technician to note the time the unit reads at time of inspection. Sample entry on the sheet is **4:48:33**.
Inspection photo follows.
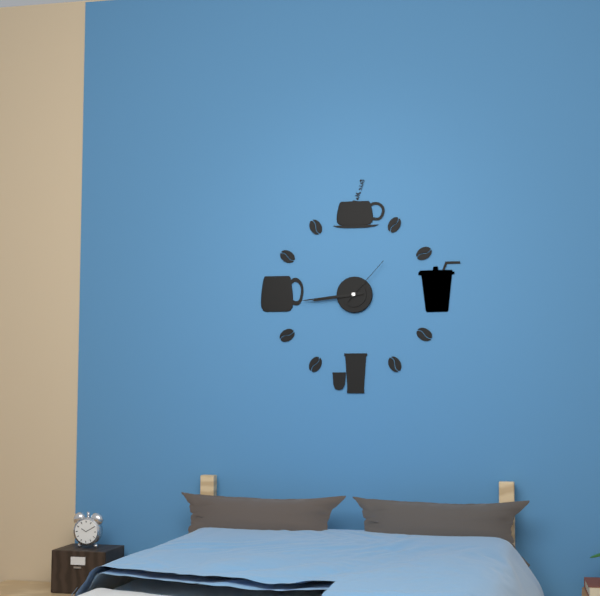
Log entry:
**8:44:07**
